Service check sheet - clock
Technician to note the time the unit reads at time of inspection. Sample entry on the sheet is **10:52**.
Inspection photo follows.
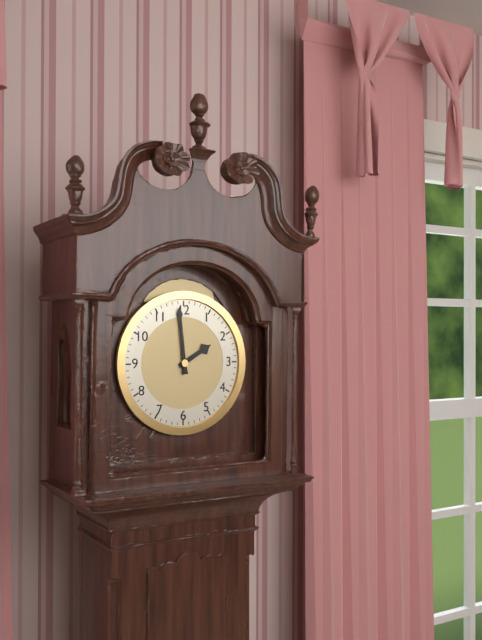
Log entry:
**1:59**
